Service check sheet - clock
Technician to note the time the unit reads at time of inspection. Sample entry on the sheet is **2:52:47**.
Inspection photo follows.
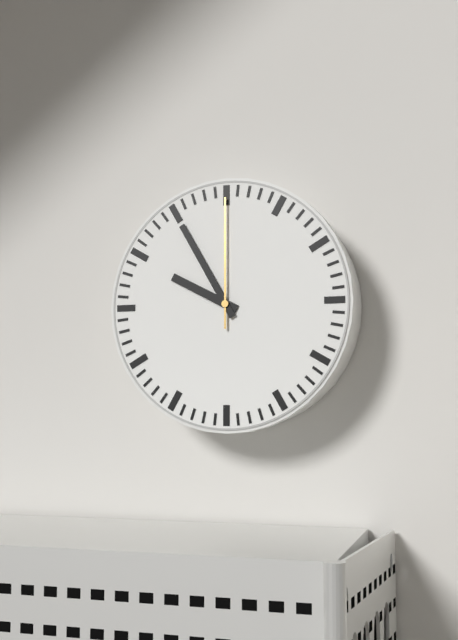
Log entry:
**9:55:00**
